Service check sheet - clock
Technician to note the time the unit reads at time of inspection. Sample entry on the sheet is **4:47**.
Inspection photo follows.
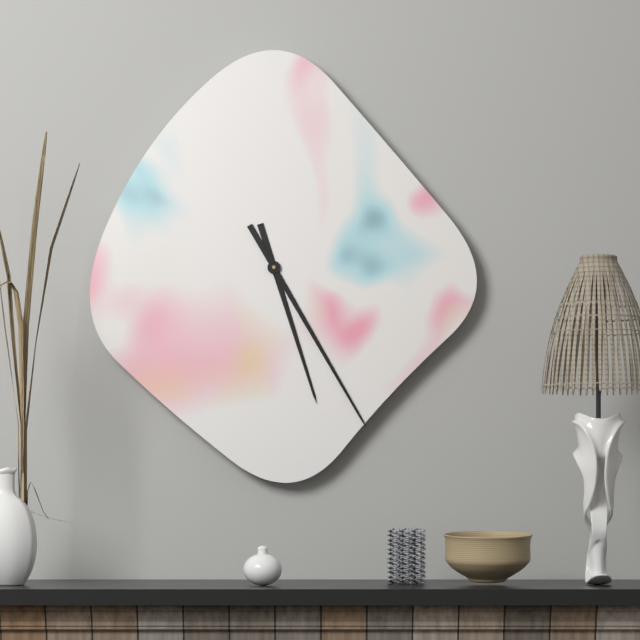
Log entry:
**5:25**
